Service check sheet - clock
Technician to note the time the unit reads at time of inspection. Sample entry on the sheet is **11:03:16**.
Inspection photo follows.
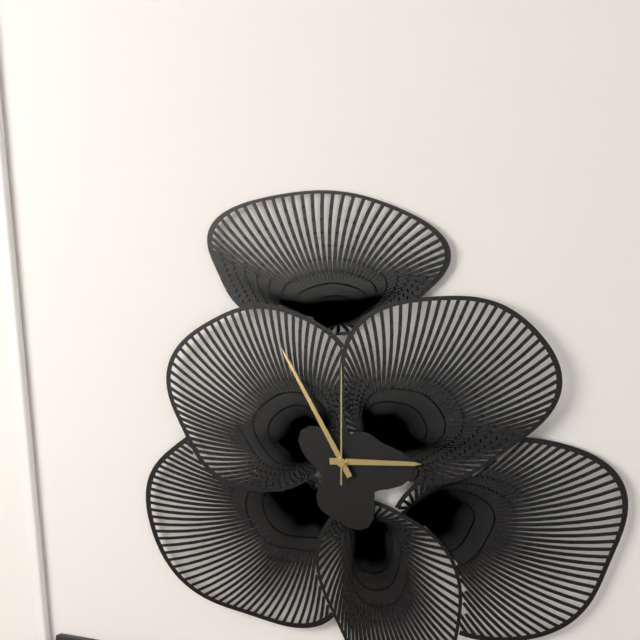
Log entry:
**2:55:00**
